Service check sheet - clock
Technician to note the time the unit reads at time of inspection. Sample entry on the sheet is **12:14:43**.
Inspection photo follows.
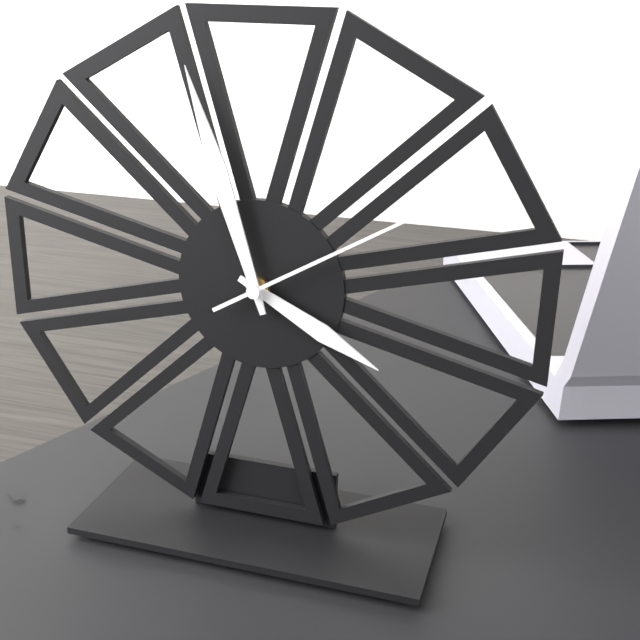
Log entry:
**3:57:10**
